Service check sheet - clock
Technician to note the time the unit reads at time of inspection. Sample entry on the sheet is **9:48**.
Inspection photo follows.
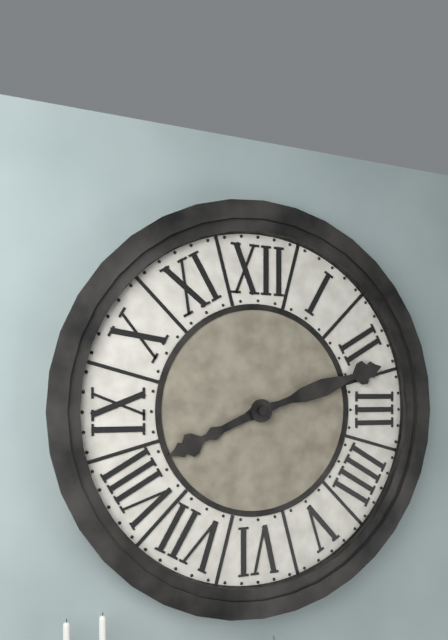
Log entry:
**8:12**
